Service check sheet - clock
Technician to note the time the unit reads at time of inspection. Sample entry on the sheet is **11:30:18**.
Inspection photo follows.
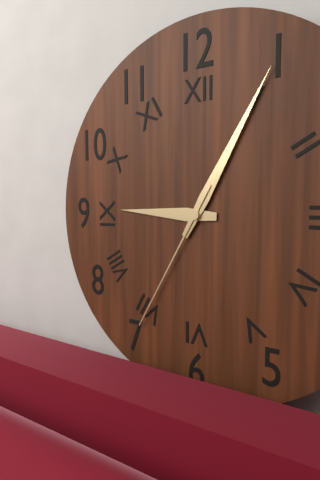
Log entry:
**9:05:35**
